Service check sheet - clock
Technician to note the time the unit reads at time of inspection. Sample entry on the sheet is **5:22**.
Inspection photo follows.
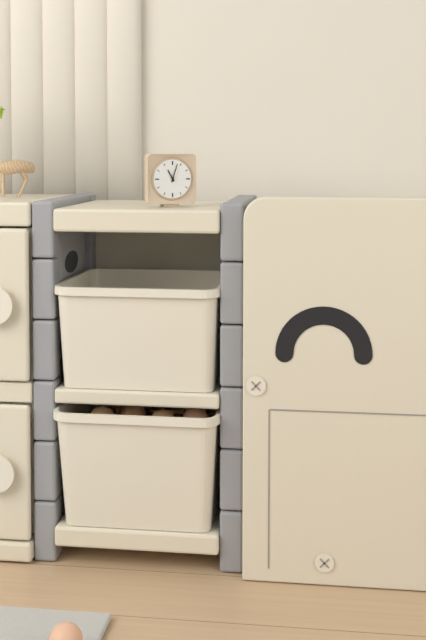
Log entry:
**11:03**
